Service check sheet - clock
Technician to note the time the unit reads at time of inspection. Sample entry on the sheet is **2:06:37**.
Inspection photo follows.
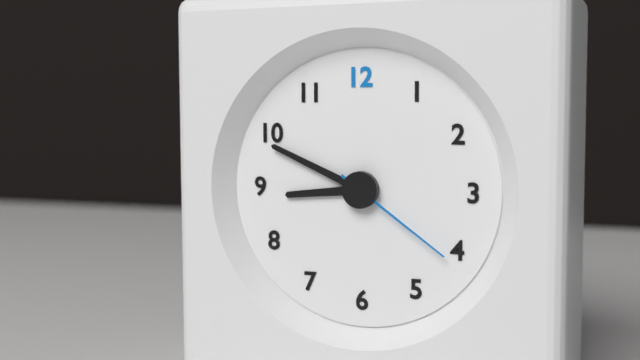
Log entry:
**8:49:21**
